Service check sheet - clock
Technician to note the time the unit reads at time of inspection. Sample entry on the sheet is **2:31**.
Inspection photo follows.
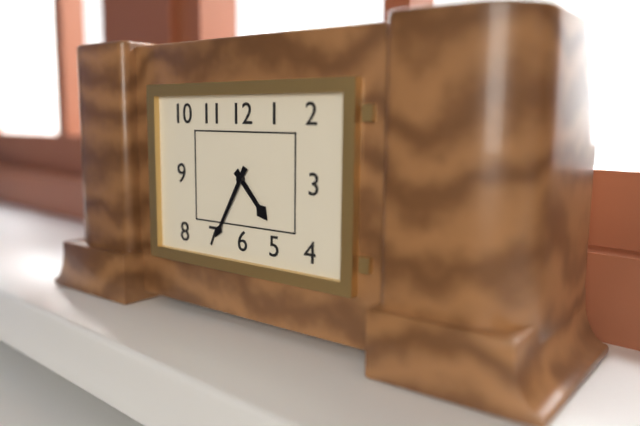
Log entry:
**4:35**
